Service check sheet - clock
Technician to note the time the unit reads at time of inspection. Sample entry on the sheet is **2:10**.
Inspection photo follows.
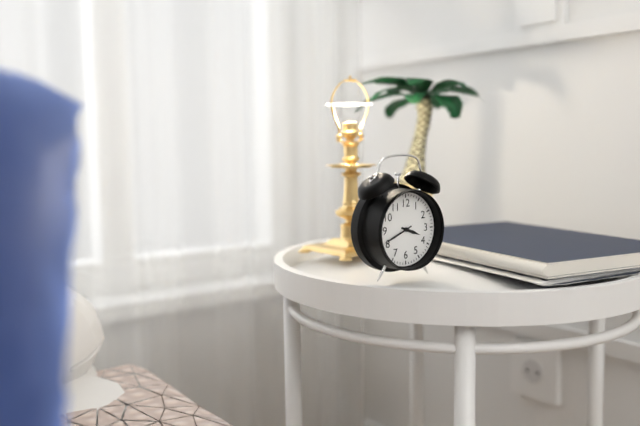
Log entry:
**3:41**
